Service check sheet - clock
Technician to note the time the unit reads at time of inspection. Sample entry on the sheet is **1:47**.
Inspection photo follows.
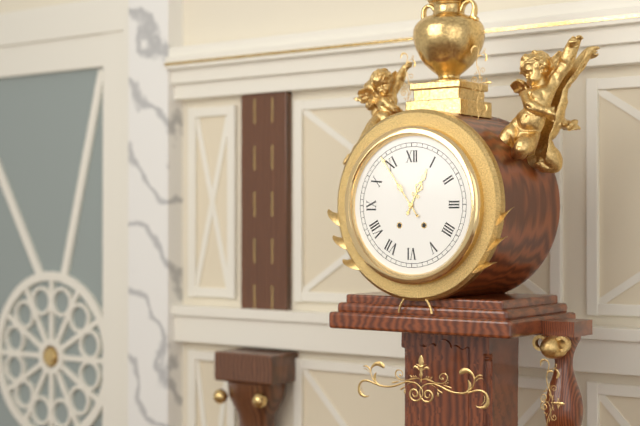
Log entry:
**12:54**
